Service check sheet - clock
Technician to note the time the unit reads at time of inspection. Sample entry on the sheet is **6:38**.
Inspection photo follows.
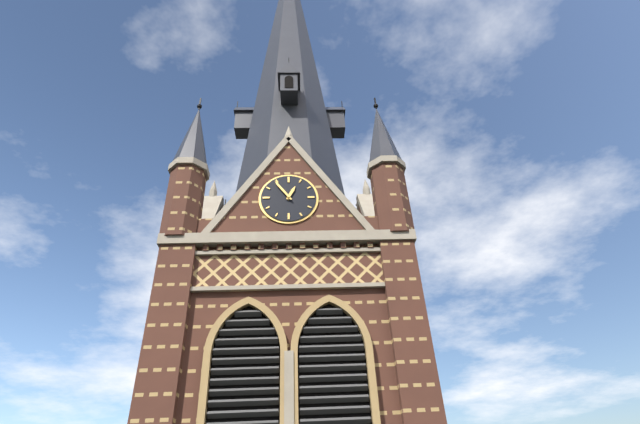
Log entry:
**12:54**
